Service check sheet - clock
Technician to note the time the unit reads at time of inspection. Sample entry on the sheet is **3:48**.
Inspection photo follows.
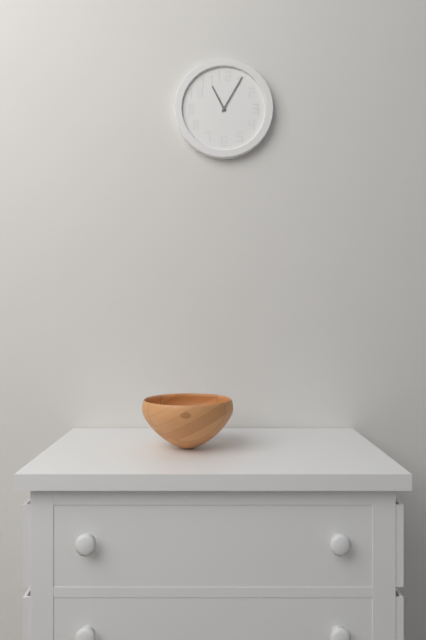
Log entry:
**11:05**
